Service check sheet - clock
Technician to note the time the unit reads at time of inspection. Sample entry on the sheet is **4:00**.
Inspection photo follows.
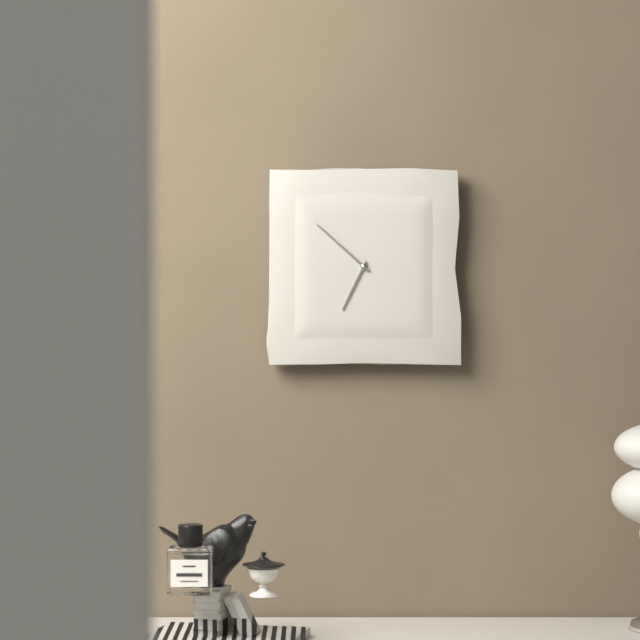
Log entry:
**6:52**
